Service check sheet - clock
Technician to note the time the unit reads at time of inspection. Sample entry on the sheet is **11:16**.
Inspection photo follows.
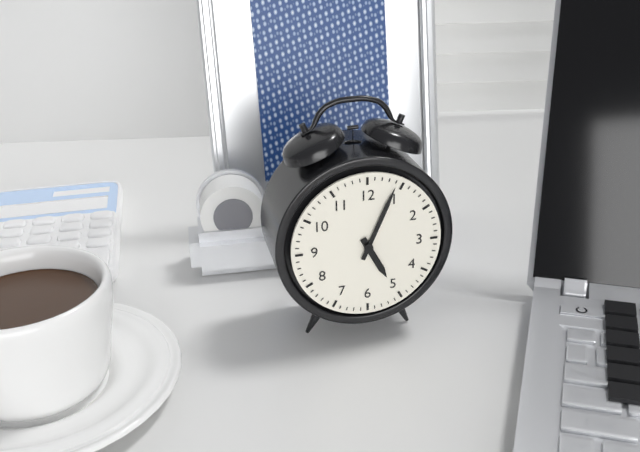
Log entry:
**5:04**
